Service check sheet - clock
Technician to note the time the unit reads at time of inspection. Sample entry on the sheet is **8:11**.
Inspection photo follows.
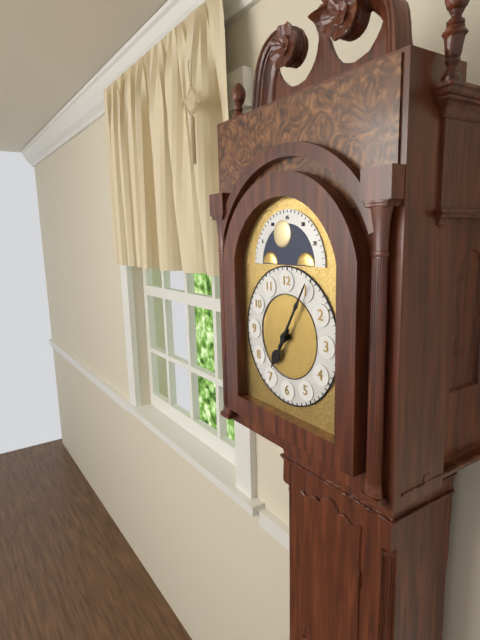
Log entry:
**7:05**
